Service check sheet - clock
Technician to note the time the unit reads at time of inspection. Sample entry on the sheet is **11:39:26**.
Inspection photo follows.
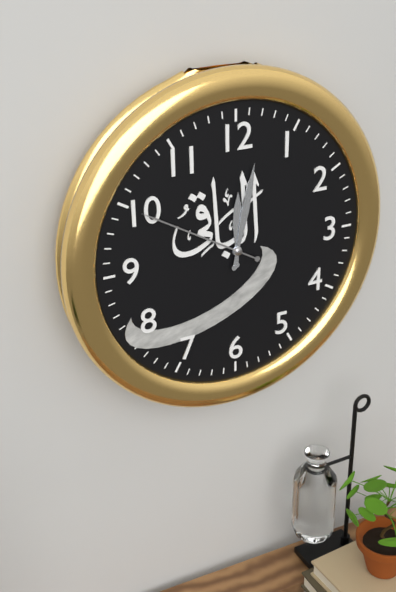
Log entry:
**12:02:50**
